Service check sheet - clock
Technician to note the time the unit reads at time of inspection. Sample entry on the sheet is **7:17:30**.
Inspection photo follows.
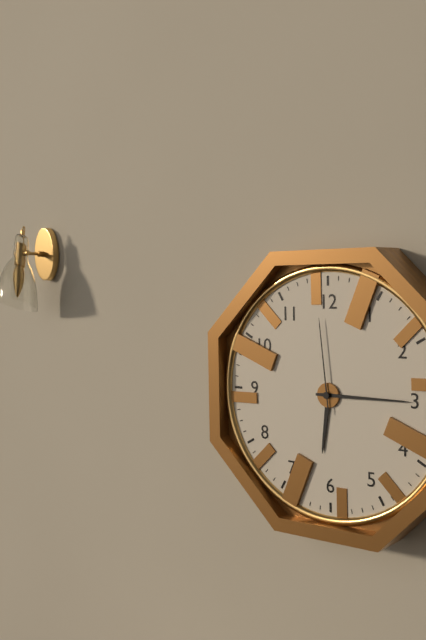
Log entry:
**6:15:59**
